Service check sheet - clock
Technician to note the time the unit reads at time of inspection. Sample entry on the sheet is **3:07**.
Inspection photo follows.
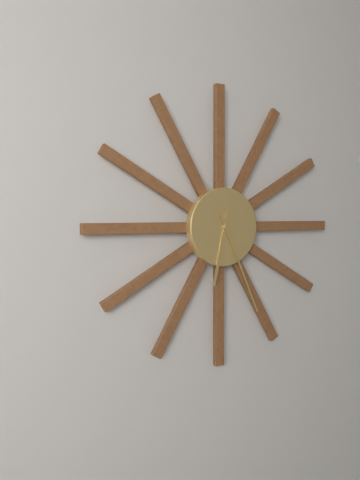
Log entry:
**6:26**
